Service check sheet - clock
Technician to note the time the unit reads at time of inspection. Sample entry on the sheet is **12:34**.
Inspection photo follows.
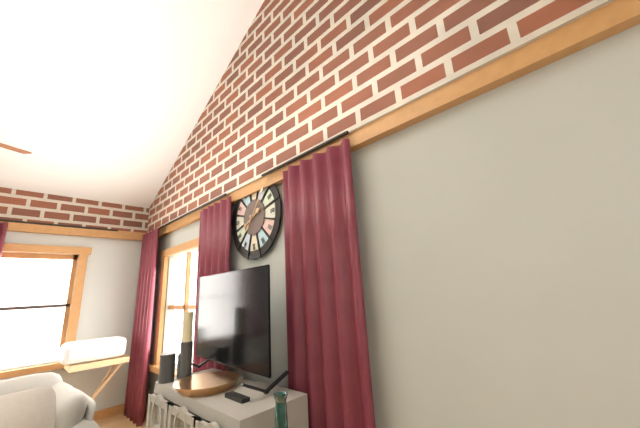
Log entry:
**8:06**
